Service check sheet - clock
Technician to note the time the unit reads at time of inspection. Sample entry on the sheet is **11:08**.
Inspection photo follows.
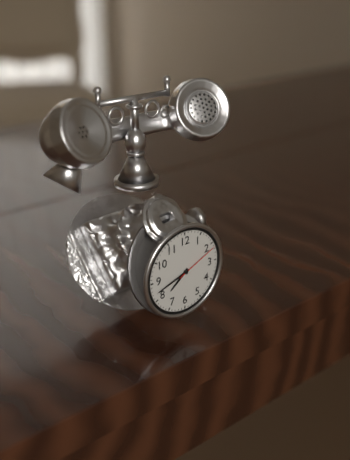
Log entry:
**7:42**
